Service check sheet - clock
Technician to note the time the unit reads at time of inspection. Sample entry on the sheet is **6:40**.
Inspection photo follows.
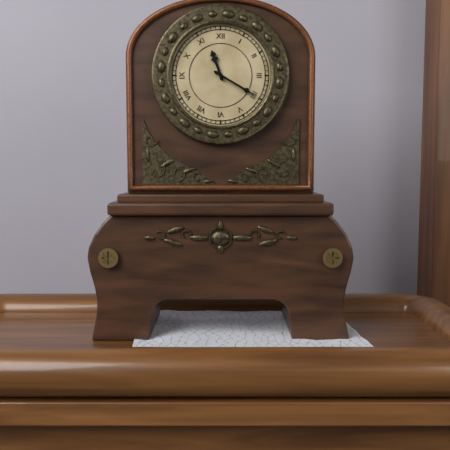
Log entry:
**11:20**
